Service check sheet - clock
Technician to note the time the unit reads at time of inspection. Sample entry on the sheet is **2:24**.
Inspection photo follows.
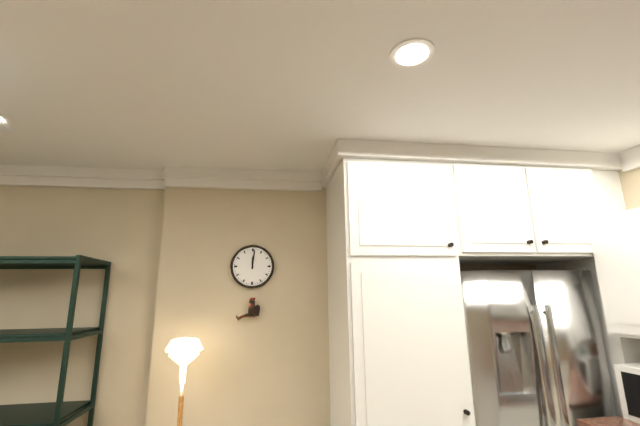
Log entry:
**12:01**
